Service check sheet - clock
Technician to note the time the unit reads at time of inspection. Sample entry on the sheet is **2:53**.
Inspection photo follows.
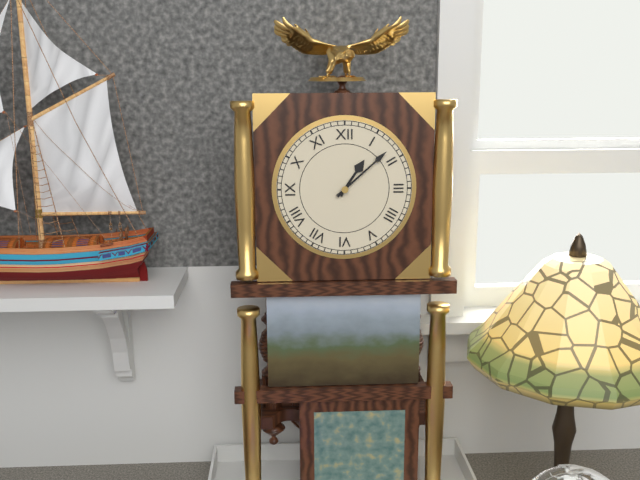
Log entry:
**1:08**
